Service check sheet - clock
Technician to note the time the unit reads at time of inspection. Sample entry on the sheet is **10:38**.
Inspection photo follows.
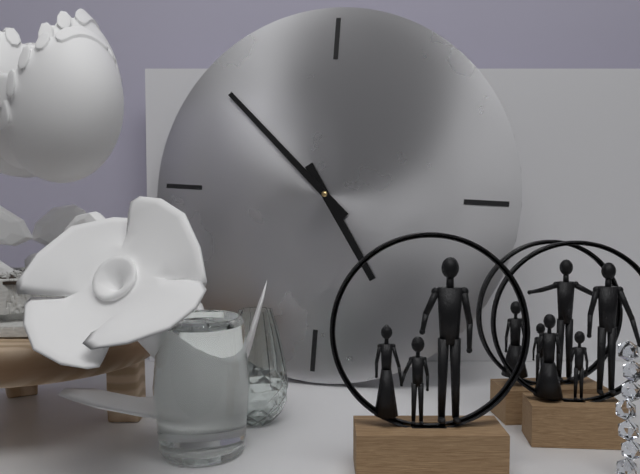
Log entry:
**4:52**
